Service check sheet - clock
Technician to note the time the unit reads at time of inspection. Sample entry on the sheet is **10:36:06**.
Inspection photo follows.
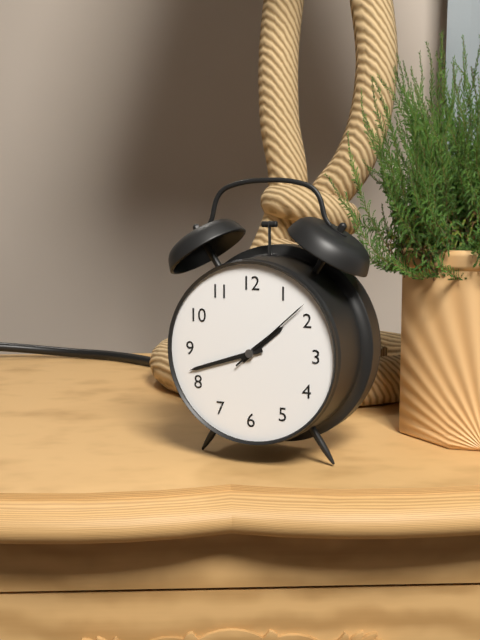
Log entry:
**1:42:08**
